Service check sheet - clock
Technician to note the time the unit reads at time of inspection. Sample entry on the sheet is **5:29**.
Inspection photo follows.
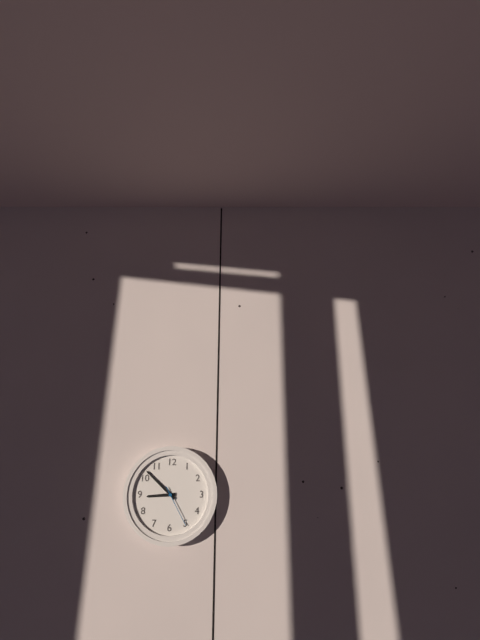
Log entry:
**8:52**
